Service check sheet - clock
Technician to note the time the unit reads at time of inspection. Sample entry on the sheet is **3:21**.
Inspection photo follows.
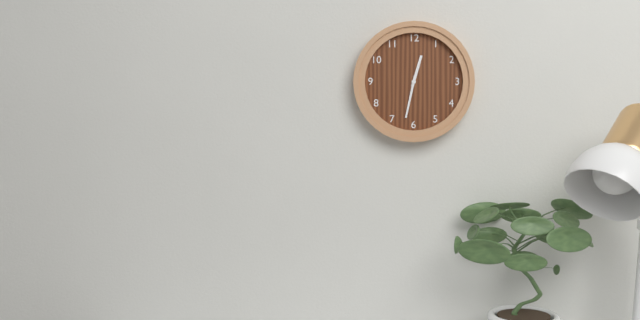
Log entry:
**12:32**
